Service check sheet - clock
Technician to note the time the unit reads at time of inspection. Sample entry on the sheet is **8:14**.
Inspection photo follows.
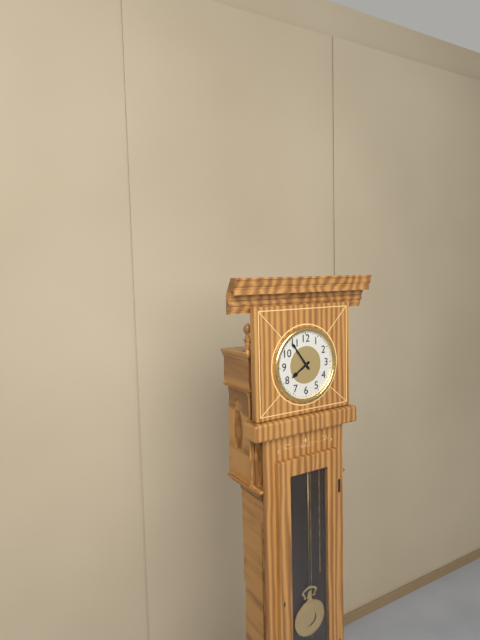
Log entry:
**7:54**
